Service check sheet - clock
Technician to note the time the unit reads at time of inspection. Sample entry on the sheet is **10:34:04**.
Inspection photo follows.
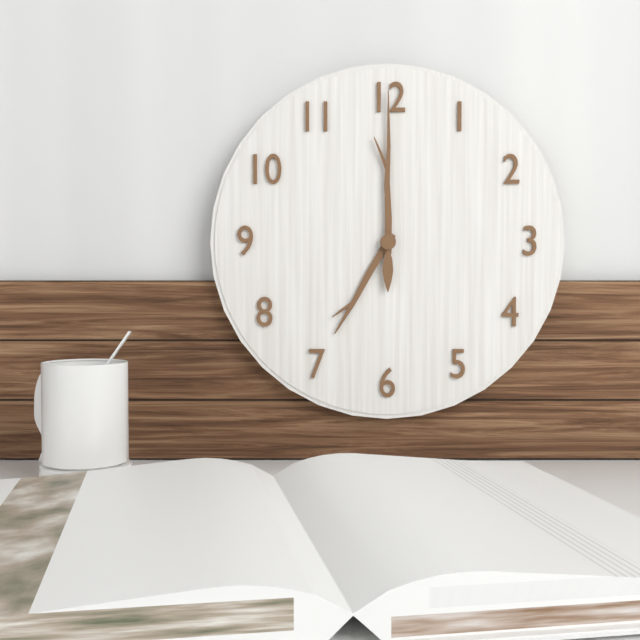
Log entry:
**7:00:30**
